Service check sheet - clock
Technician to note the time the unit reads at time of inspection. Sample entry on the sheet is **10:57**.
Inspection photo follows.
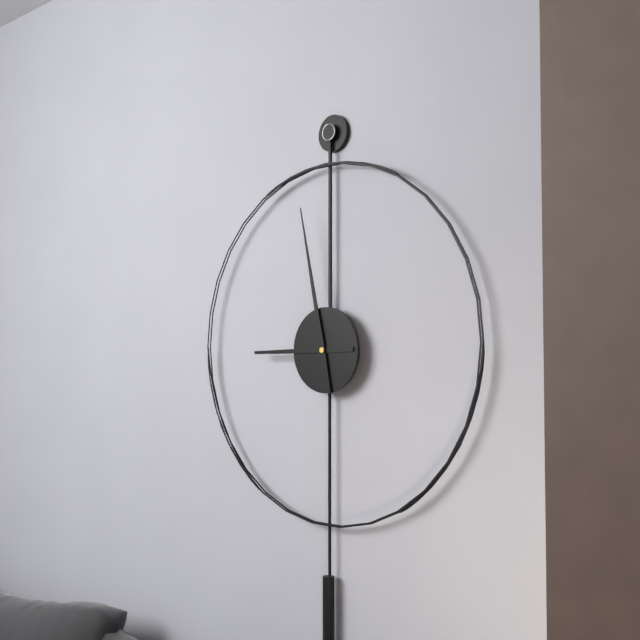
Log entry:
**8:58**
